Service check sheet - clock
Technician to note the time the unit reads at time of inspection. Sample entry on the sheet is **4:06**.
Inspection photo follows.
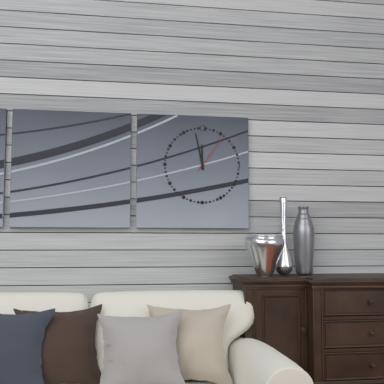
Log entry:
**11:58**
